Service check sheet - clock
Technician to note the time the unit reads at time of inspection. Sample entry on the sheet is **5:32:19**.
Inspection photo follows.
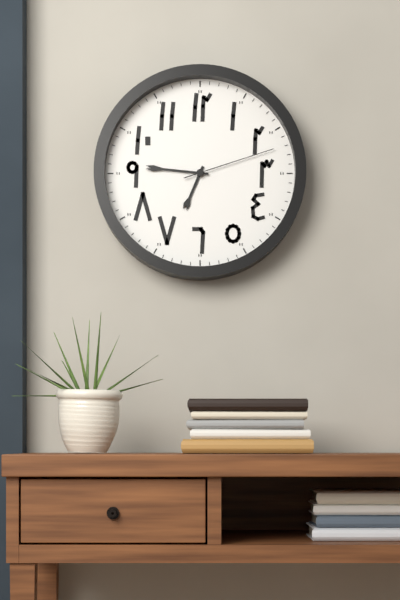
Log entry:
**6:46:12**
